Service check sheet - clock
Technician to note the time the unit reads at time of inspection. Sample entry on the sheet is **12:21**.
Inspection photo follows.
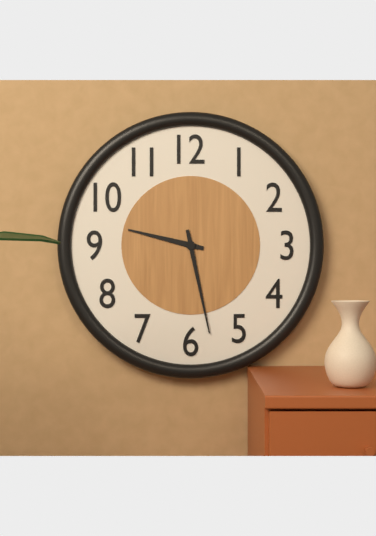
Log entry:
**9:28**
